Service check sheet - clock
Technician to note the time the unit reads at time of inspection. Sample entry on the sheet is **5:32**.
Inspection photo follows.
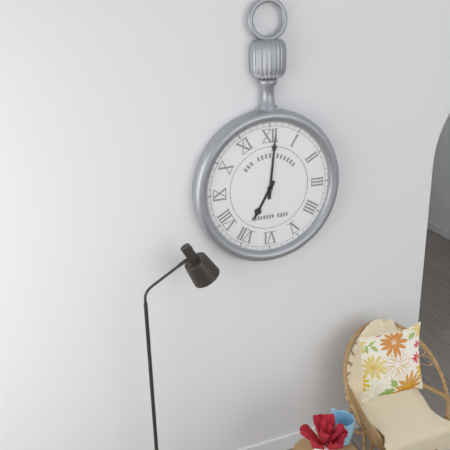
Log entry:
**7:01**
